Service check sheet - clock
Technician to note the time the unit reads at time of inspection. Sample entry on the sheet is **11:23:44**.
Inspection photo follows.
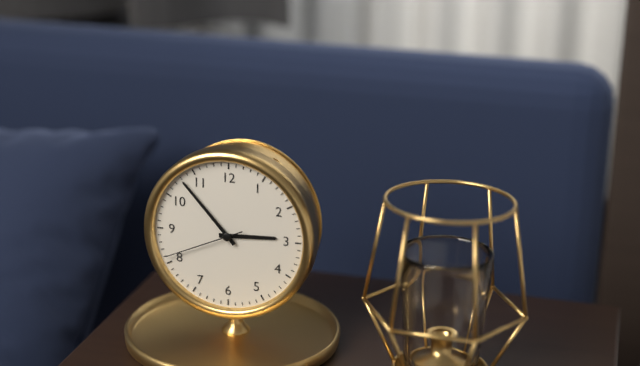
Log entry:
**2:53:41**
